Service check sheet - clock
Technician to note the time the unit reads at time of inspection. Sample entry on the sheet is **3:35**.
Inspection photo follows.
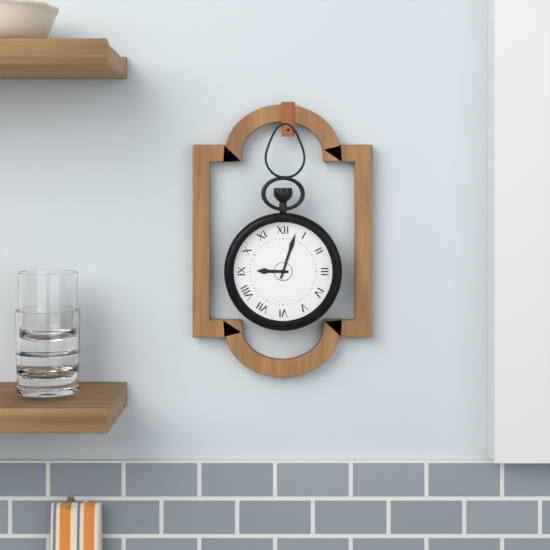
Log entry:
**9:03**
